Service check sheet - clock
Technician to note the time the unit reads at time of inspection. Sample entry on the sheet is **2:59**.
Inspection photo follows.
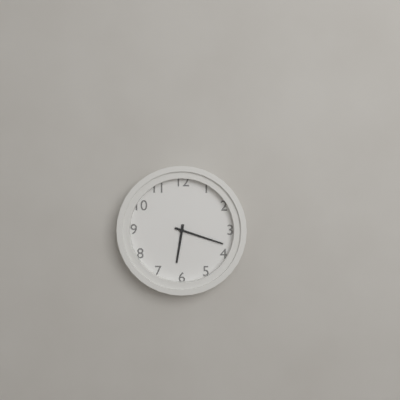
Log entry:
**6:18**
